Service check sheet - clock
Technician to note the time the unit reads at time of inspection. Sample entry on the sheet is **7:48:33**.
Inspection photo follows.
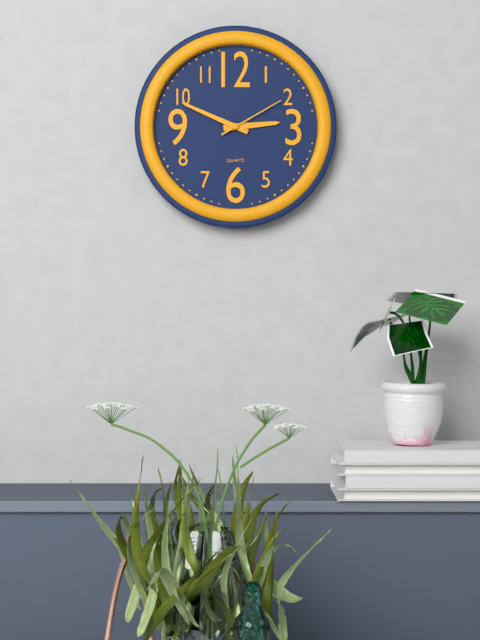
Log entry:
**2:49:10**
